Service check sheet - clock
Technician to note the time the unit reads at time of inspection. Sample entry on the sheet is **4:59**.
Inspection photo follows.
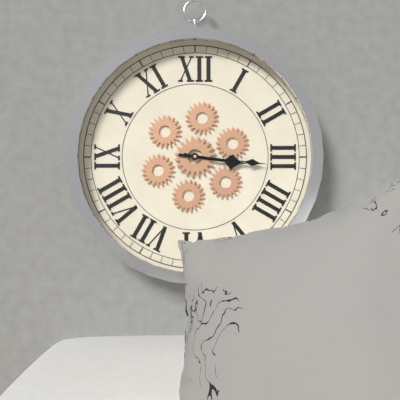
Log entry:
**3:16**
